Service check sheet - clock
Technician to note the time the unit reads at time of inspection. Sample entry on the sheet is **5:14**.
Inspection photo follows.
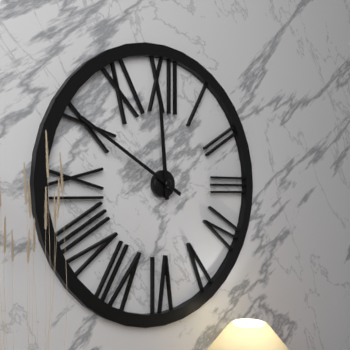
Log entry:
**11:50**
